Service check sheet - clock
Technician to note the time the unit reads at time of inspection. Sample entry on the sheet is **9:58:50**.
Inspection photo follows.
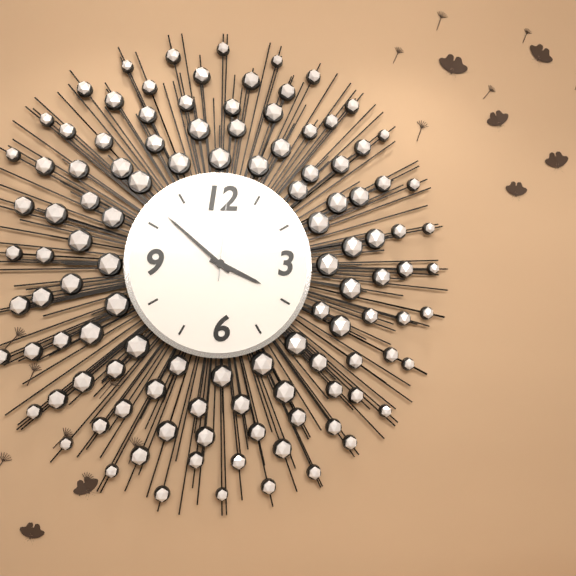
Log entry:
**3:52:01**
